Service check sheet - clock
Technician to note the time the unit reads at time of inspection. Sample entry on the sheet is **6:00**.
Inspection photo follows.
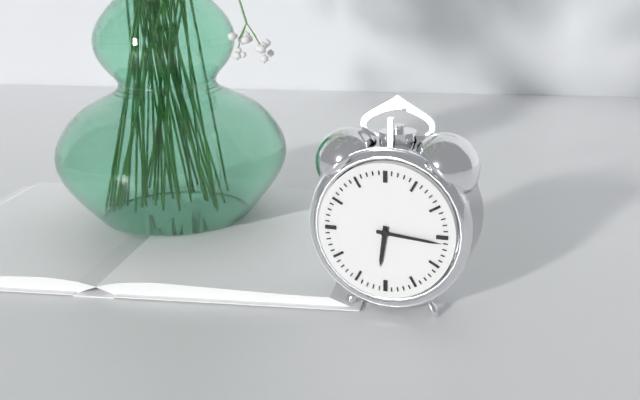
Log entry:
**6:16**
